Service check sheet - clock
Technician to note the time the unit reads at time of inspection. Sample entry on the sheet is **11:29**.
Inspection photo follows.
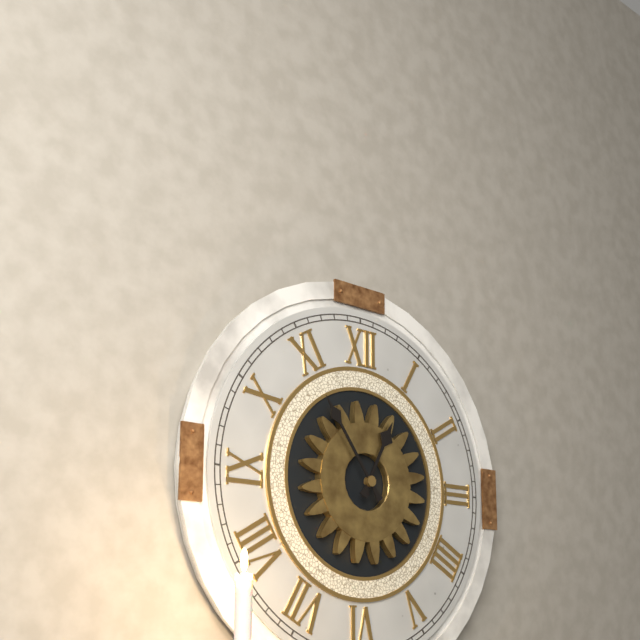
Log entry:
**12:54**
